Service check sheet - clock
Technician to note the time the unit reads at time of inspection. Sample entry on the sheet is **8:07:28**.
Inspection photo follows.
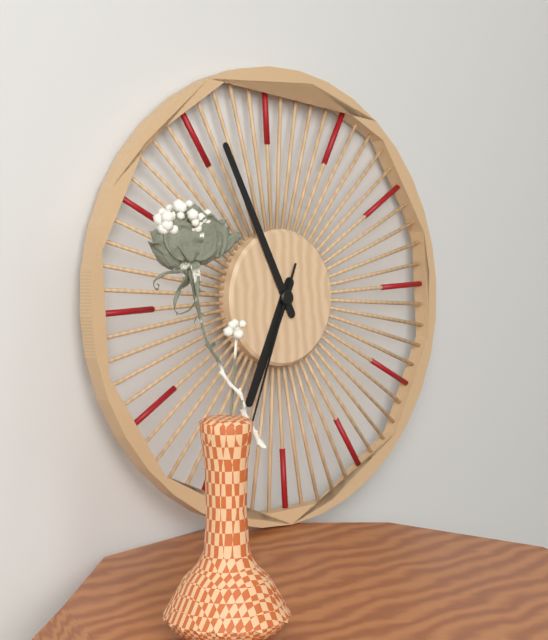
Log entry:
**6:56:34**
